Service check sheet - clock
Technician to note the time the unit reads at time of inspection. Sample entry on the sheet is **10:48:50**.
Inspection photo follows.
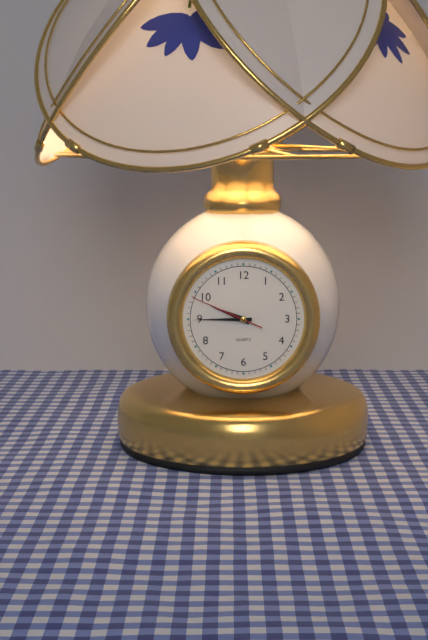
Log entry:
**9:45:49**
